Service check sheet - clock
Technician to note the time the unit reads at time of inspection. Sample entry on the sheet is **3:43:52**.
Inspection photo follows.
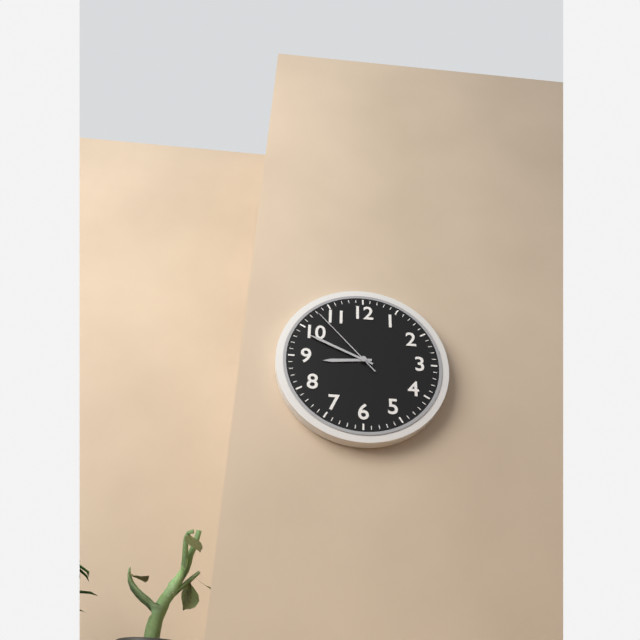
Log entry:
**8:49:53**
